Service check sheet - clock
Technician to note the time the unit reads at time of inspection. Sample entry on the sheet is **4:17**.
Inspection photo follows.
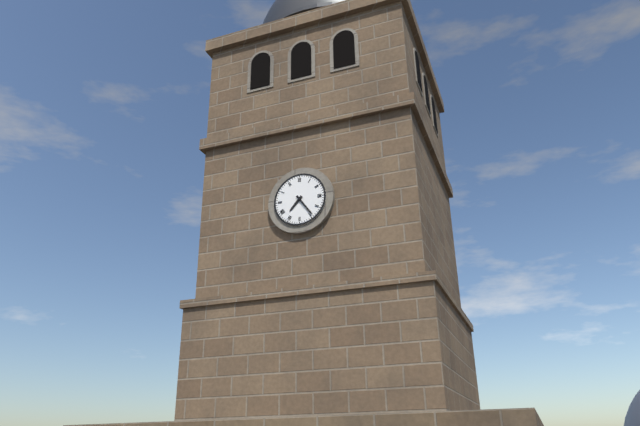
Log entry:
**7:24**
